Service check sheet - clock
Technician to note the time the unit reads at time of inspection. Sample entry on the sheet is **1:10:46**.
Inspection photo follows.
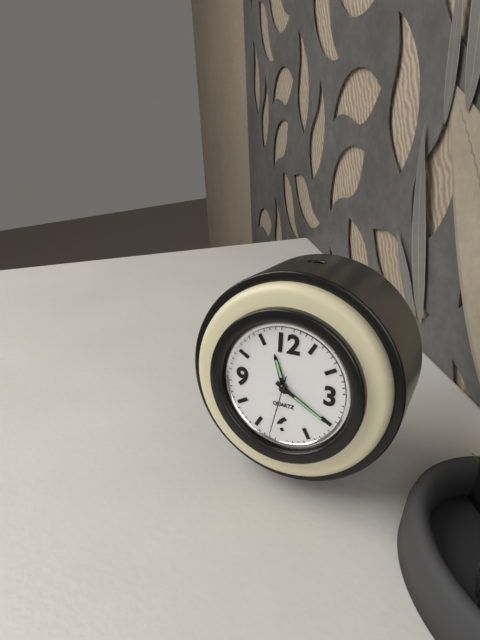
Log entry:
**11:20:32**
